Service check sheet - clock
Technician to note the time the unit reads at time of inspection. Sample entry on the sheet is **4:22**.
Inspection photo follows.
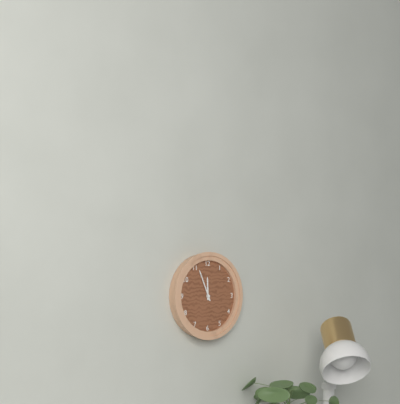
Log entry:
**11:56**
